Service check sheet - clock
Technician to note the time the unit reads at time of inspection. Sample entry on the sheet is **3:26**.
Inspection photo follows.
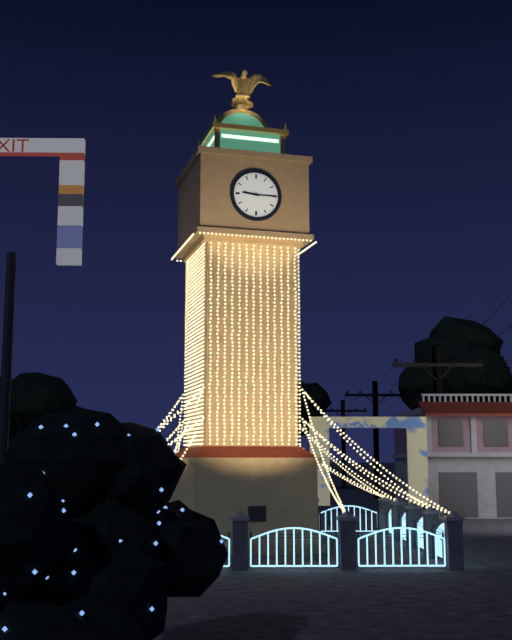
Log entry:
**9:15**
